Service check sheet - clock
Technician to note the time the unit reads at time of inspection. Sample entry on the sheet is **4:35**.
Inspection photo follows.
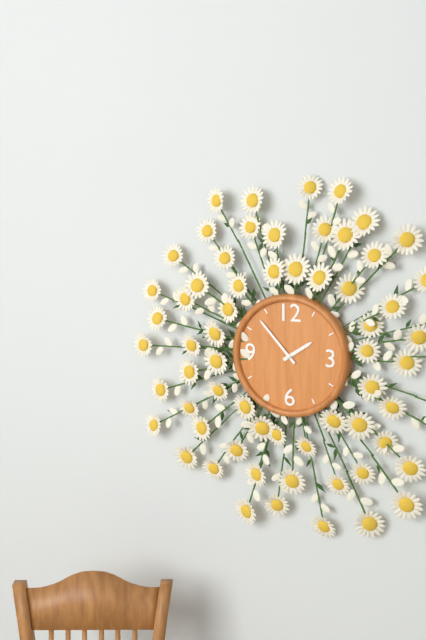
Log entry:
**1:53**
